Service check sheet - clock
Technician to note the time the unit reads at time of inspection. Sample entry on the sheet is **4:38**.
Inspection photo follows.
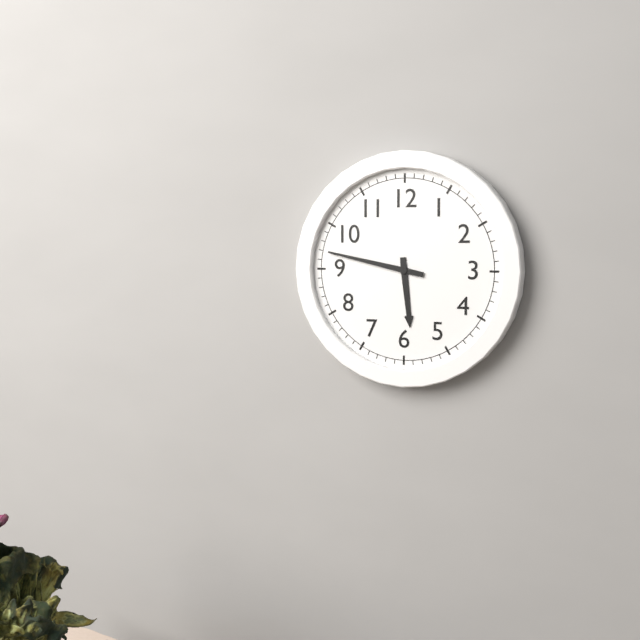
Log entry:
**5:47**
